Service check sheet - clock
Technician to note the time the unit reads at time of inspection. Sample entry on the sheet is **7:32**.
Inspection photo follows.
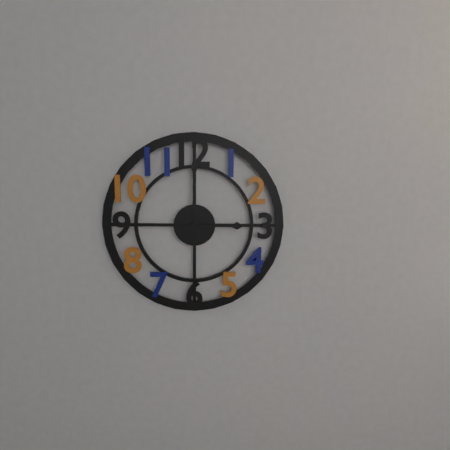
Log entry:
**3:00**
